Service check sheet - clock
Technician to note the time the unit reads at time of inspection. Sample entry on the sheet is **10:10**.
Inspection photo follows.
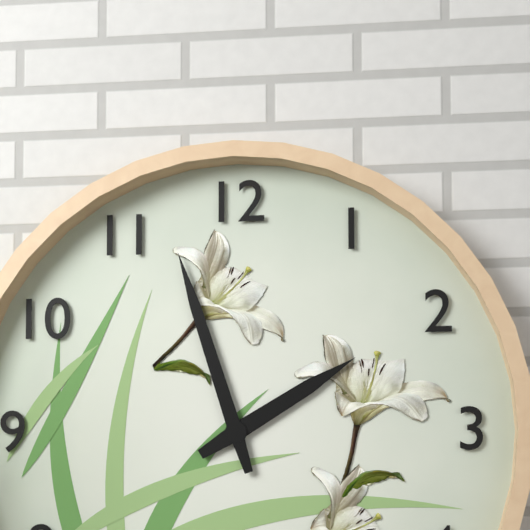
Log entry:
**1:57**
